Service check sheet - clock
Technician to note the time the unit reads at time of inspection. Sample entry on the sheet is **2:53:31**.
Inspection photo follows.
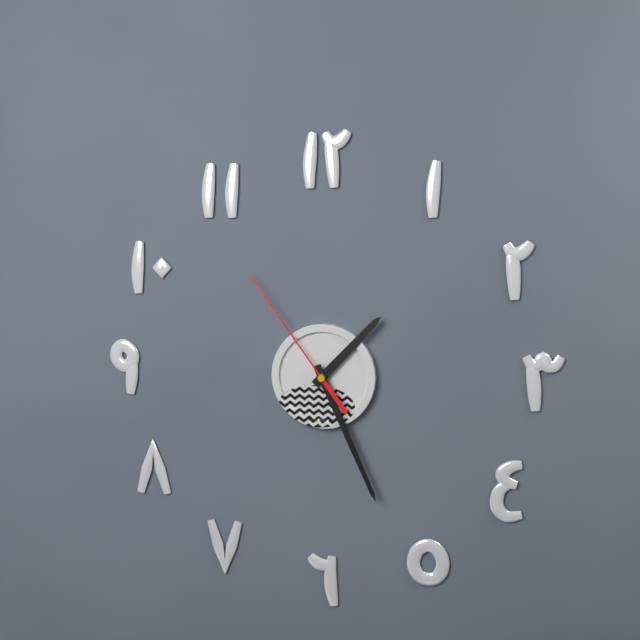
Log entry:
**1:26:54**
